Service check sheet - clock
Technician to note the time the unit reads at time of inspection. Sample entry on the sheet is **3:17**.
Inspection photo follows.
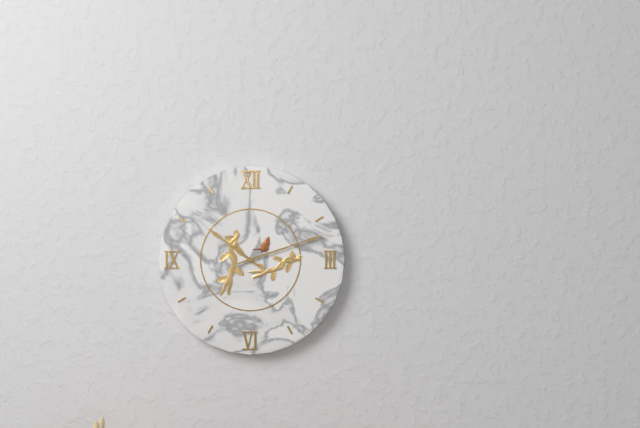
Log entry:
**10:12**
